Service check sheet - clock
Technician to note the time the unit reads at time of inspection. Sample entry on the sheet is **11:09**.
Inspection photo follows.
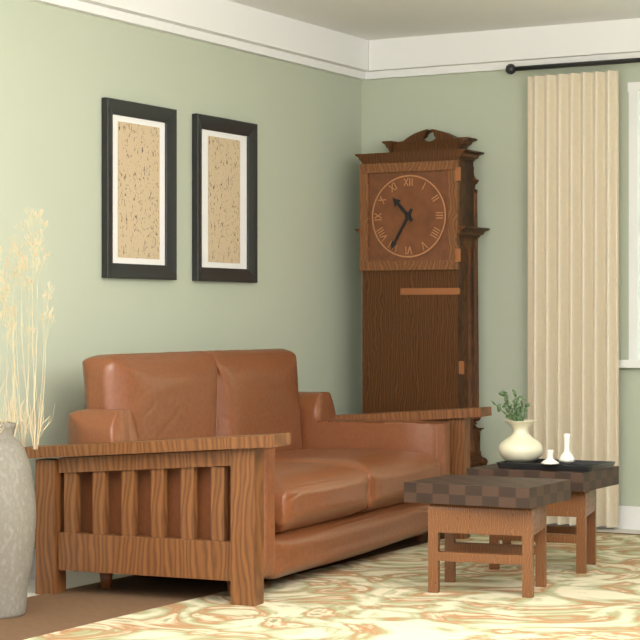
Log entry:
**10:35**
